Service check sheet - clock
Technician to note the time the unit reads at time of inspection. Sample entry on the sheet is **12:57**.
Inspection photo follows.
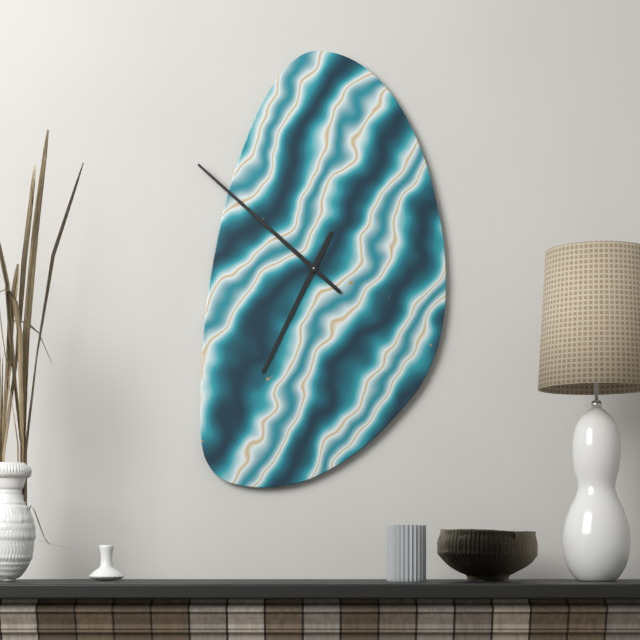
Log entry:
**6:52**
